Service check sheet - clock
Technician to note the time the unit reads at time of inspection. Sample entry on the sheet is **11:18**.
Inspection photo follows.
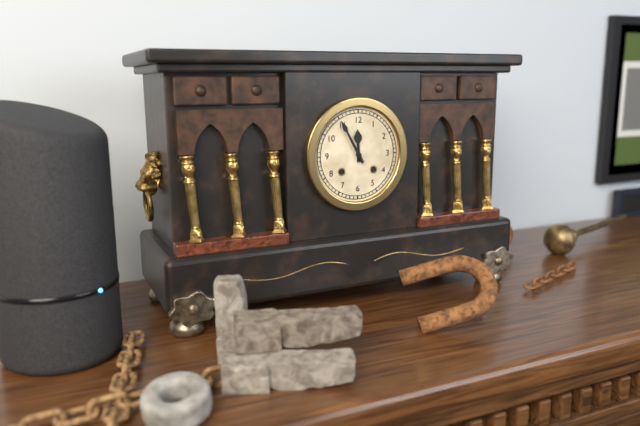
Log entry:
**11:55**
